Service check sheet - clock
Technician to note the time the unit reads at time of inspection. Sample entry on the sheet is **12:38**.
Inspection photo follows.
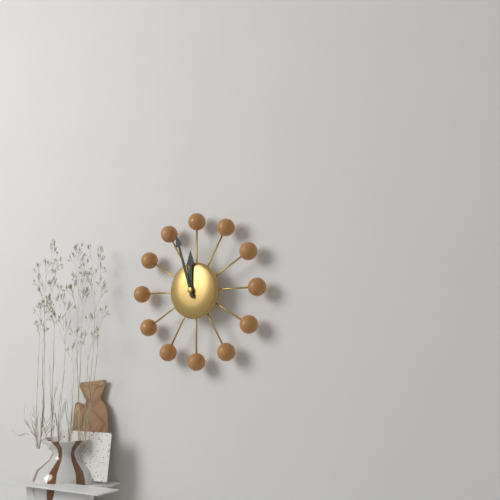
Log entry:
**11:57**
